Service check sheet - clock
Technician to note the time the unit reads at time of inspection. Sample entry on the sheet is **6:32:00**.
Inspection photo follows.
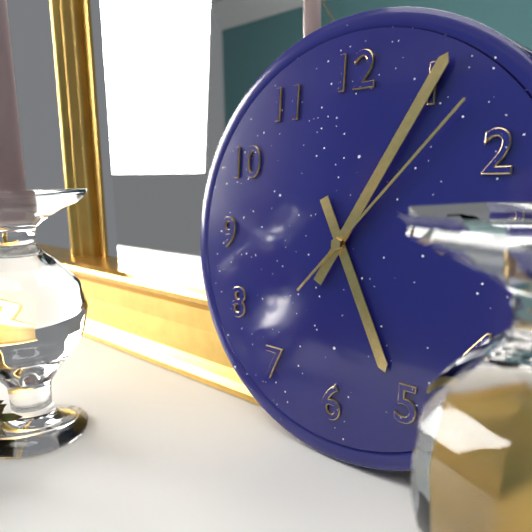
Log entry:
**5:05:07**
